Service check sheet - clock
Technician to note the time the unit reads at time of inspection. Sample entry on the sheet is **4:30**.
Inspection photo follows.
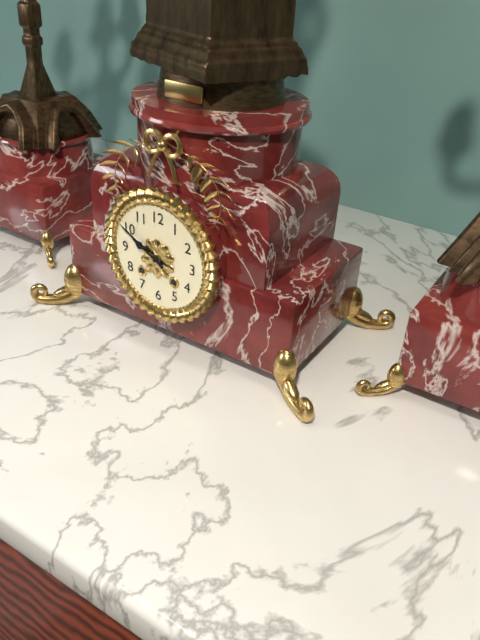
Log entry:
**9:50**
